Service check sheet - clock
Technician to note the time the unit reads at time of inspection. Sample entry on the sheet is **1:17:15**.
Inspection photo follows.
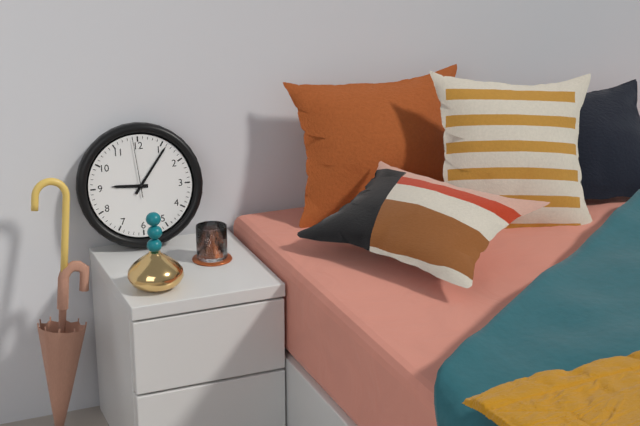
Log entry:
**9:06:59**
